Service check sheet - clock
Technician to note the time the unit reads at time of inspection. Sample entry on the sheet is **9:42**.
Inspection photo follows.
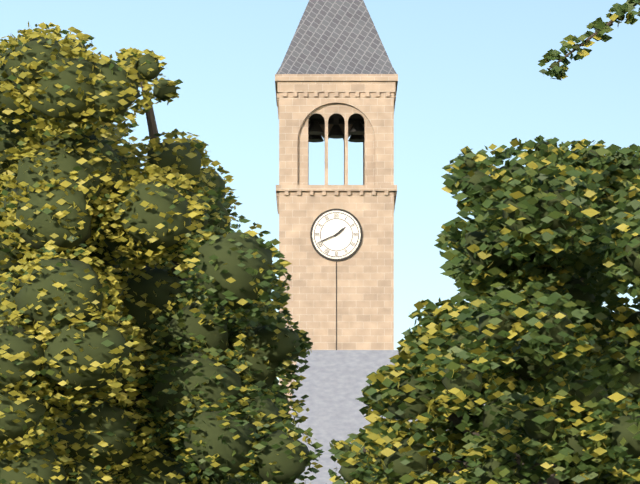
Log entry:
**1:41**
